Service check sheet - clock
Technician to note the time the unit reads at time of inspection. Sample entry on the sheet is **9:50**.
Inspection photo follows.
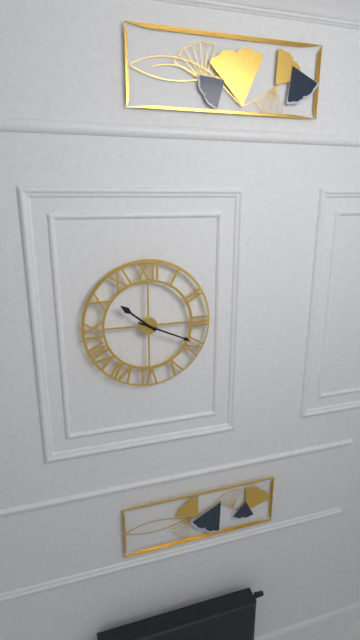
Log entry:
**10:19**
